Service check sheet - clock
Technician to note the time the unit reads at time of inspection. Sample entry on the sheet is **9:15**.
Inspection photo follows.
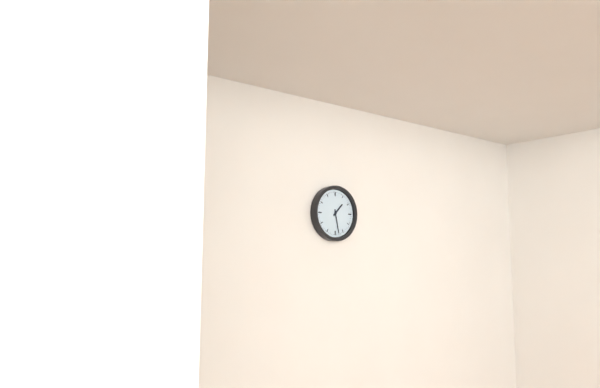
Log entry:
**1:28**
